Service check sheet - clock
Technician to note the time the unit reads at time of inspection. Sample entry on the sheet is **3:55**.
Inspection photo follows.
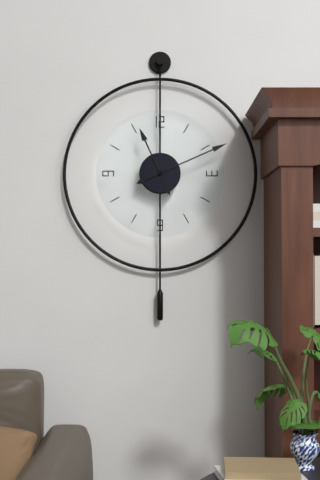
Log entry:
**11:11**
